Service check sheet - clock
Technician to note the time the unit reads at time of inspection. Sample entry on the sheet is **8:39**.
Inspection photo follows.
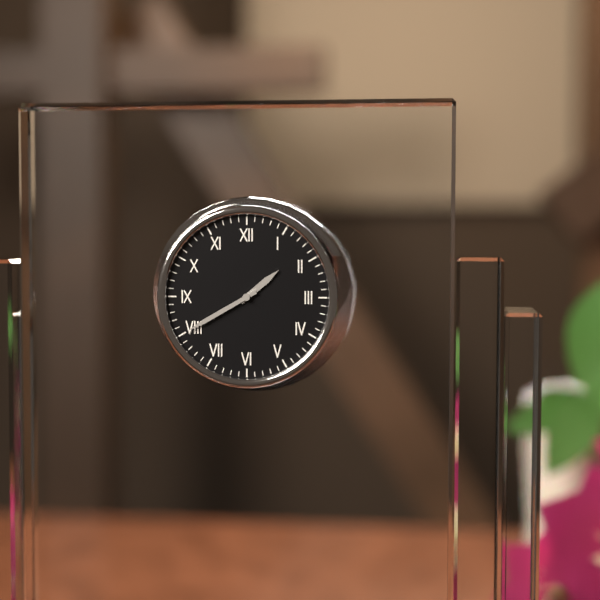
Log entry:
**1:40**
